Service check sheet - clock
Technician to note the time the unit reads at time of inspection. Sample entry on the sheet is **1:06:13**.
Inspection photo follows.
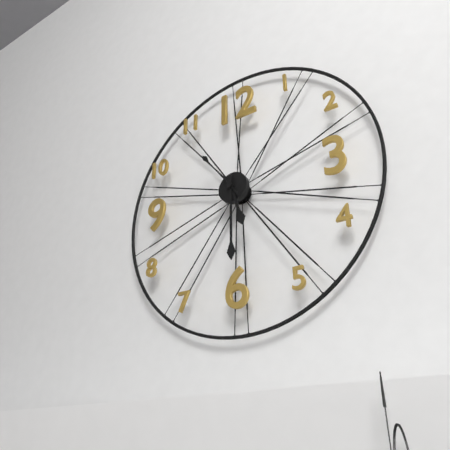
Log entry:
**5:30:54**
